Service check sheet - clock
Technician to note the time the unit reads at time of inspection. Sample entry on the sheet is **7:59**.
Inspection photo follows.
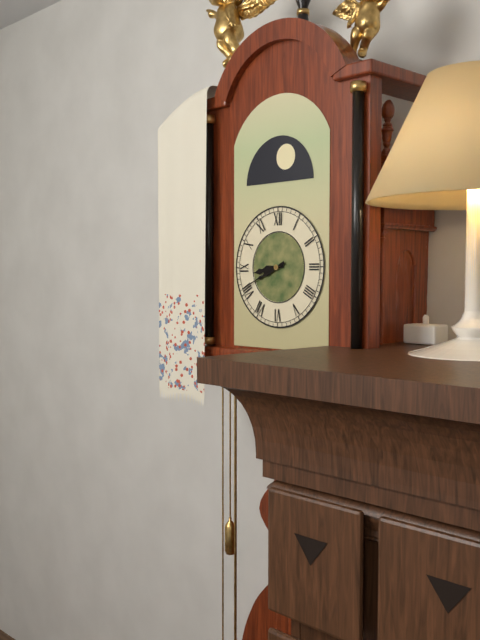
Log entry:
**8:41**
